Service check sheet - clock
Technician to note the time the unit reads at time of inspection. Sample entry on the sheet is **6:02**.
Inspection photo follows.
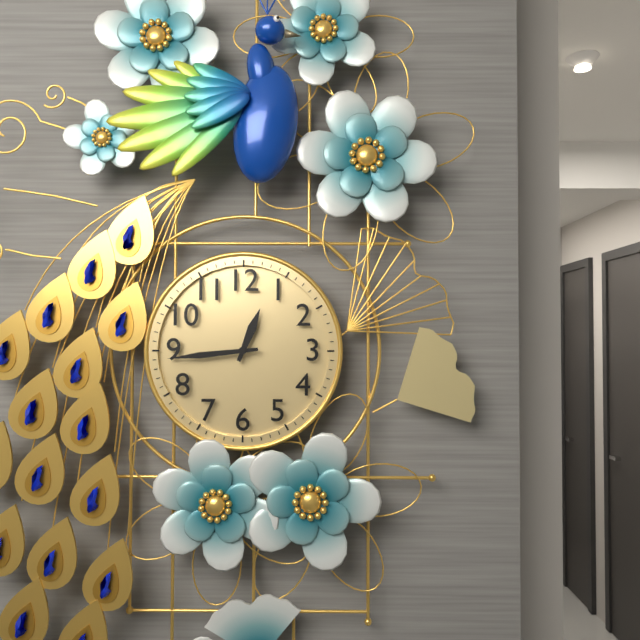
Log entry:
**12:44**
